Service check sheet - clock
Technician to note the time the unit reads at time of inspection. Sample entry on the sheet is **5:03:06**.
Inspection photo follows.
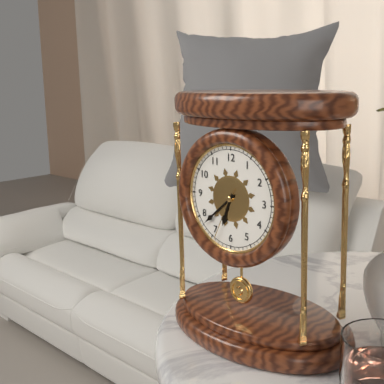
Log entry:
**6:38:34**
